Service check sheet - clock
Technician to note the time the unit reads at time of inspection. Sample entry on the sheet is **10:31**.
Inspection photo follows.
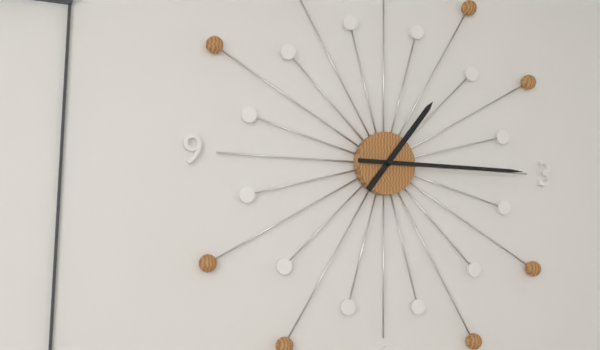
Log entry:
**1:15**
